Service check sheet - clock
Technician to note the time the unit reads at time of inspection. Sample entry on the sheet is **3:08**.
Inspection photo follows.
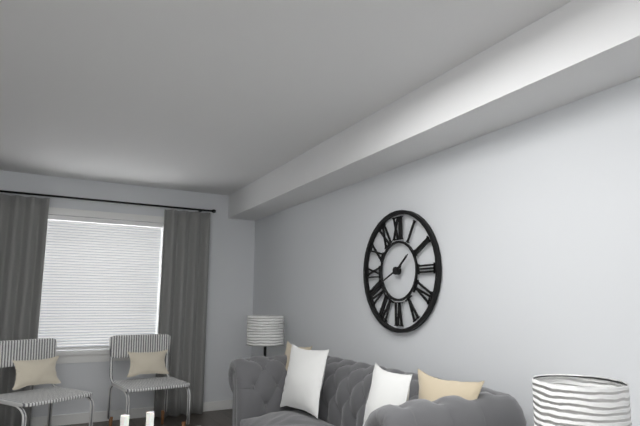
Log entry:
**1:41**
